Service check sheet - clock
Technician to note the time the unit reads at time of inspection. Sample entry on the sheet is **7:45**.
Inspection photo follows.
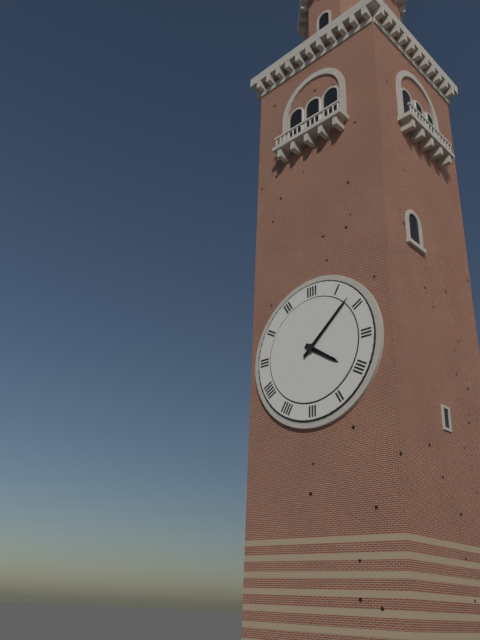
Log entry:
**4:08**
